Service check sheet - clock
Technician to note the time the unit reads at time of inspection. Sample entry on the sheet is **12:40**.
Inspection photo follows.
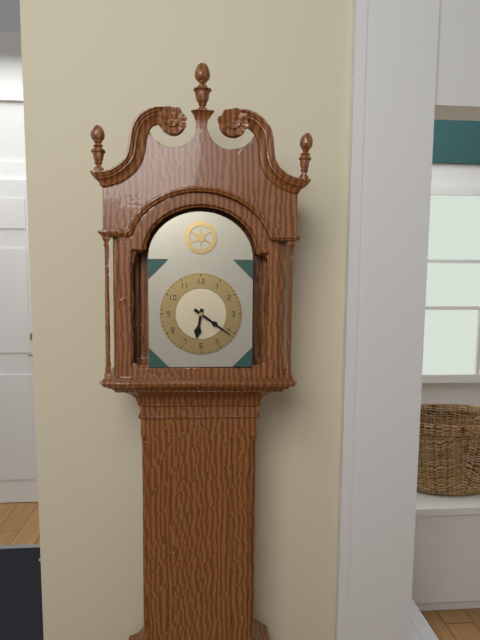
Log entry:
**6:21**
